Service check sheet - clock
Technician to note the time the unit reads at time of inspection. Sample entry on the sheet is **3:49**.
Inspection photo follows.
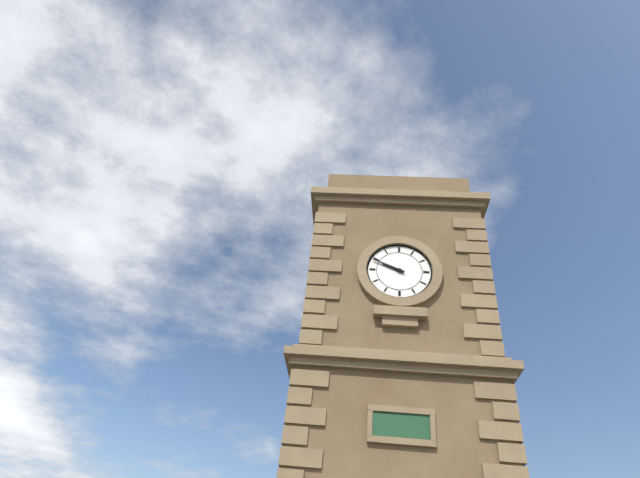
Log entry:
**9:49**
